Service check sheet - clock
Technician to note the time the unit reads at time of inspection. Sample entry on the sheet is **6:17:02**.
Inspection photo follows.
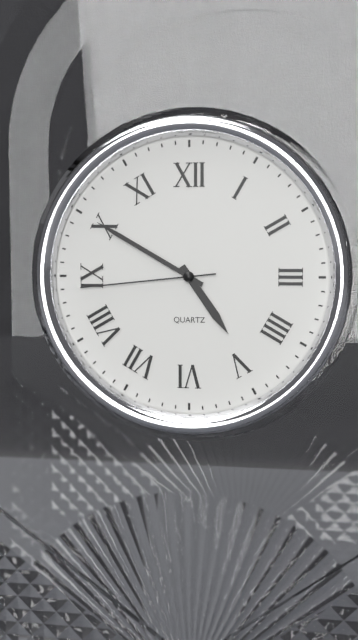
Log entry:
**4:50:44**
